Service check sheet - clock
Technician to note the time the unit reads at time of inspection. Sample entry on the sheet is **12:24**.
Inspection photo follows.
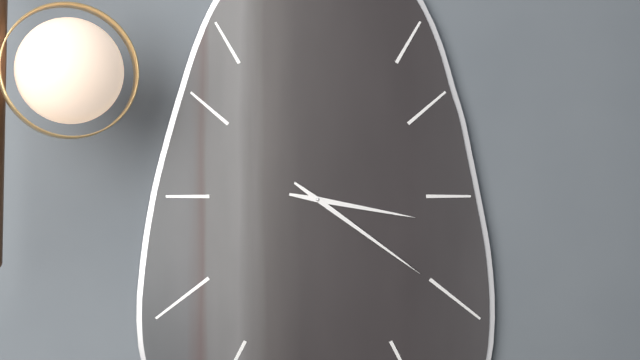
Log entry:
**3:21**
